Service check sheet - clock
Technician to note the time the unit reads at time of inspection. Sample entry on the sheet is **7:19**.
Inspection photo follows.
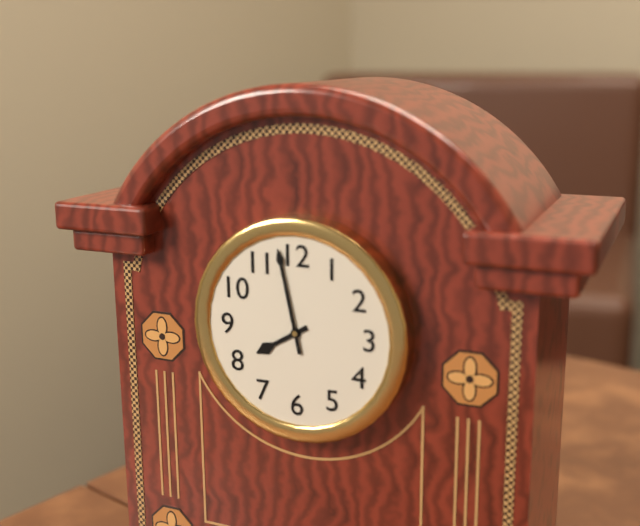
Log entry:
**7:58**
